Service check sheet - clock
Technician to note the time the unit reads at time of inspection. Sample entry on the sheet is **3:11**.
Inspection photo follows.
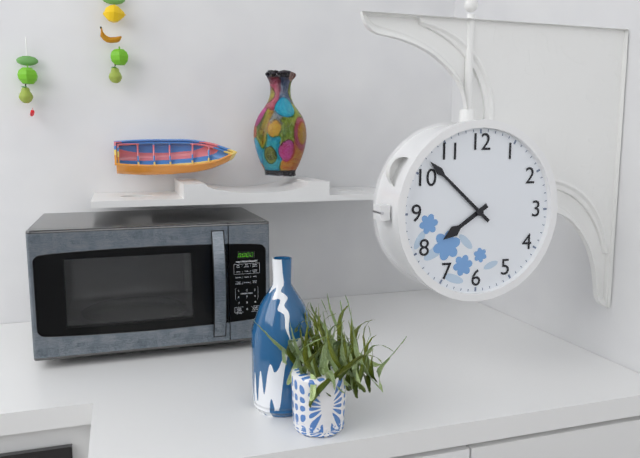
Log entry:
**7:52**
